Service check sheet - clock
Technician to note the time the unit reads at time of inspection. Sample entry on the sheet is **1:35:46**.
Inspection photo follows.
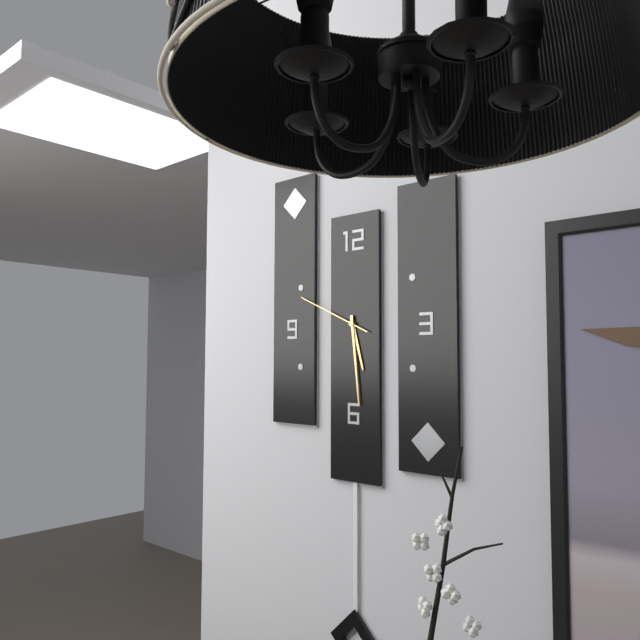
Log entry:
**5:29:49**
